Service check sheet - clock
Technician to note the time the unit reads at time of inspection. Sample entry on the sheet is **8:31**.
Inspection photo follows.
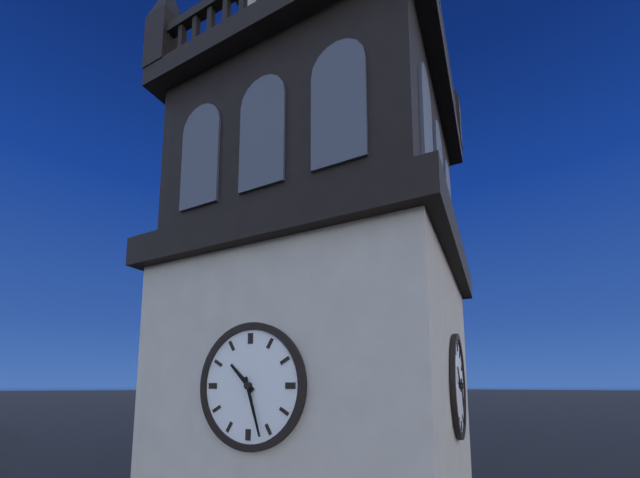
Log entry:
**10:27**
